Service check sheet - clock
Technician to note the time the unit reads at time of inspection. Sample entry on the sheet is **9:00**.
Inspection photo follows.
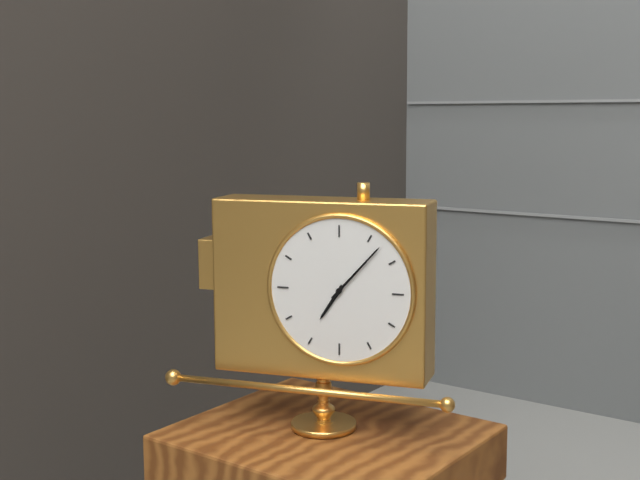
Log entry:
**7:07**
